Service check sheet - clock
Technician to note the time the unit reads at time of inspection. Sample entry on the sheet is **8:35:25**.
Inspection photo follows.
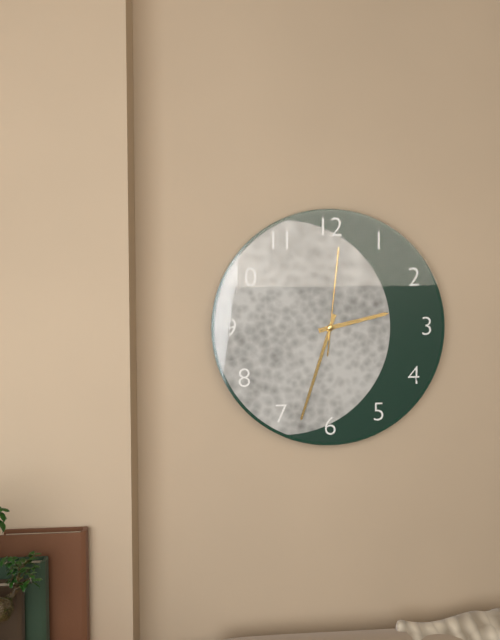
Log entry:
**2:33:01**
